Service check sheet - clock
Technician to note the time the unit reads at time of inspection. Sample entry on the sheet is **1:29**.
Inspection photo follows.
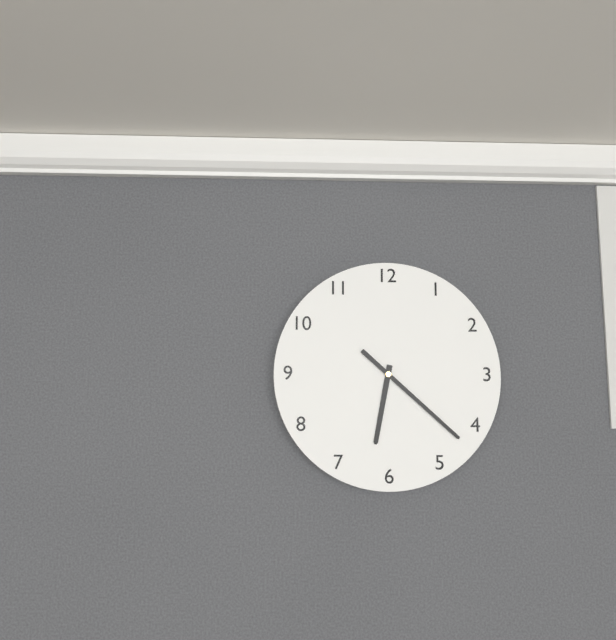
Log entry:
**6:22**
